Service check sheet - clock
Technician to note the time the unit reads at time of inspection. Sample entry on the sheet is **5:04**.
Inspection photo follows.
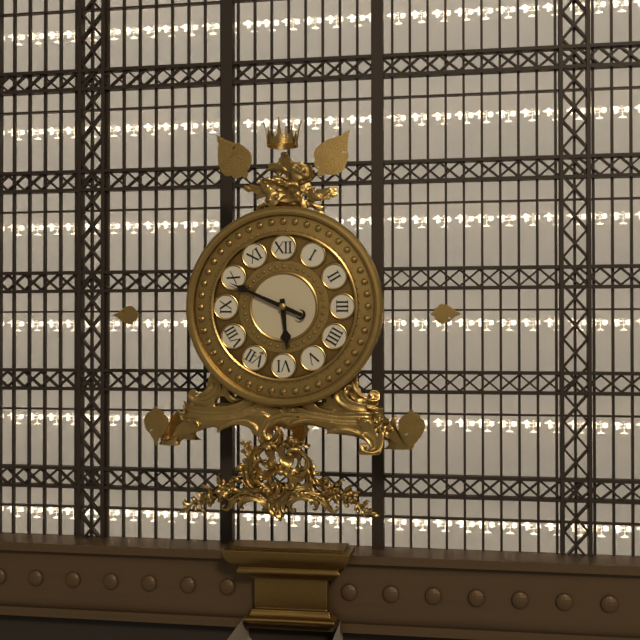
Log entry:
**5:49**
